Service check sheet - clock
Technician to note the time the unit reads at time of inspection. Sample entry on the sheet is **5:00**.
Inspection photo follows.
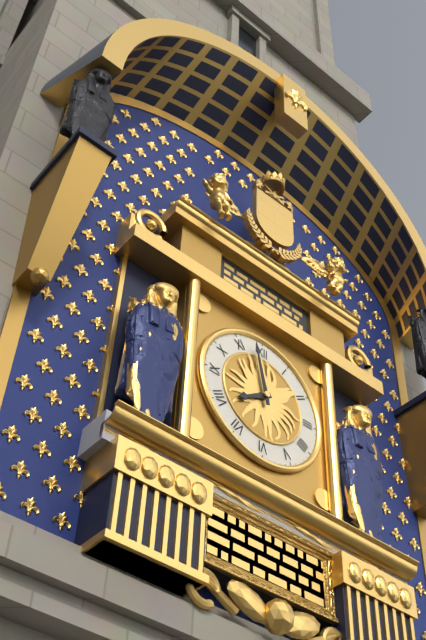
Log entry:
**7:58**
